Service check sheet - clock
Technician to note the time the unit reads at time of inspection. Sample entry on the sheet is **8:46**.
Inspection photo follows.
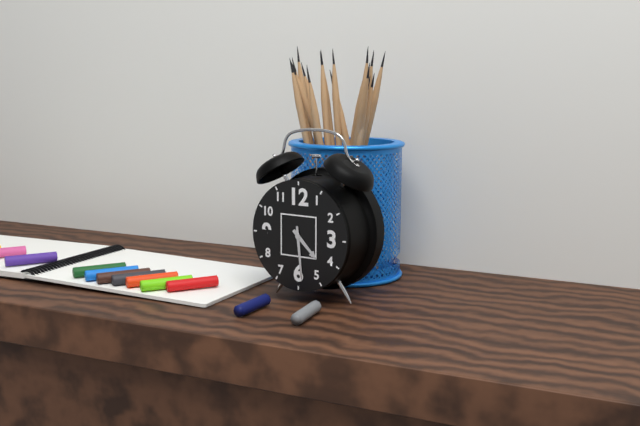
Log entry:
**4:29**
